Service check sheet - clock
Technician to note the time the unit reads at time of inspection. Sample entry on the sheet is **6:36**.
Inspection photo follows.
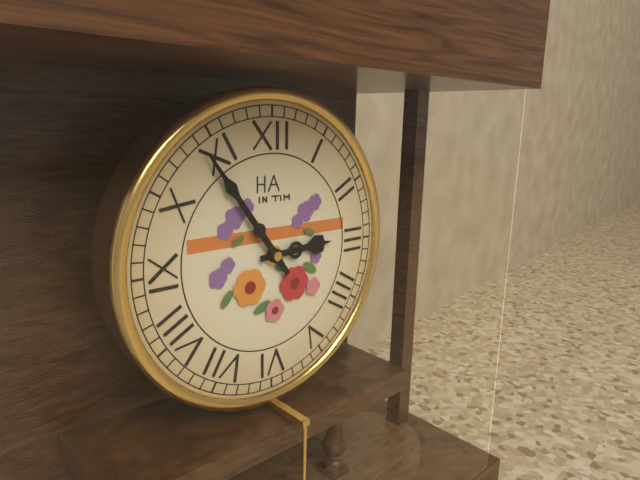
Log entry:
**2:54**
